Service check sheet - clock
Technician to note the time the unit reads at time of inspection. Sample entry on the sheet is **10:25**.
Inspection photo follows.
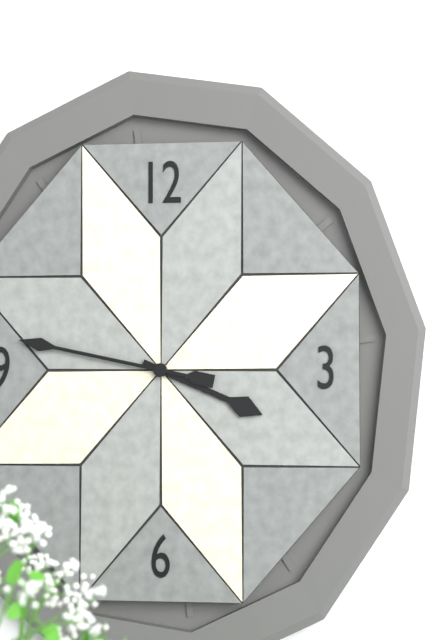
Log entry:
**3:47**
